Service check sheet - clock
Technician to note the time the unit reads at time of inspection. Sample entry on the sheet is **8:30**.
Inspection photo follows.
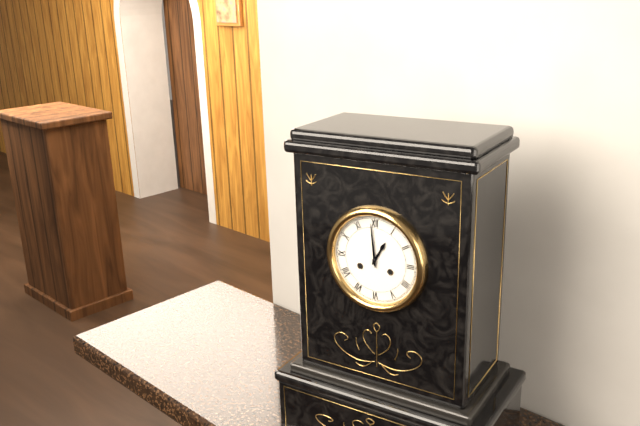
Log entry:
**12:59**
